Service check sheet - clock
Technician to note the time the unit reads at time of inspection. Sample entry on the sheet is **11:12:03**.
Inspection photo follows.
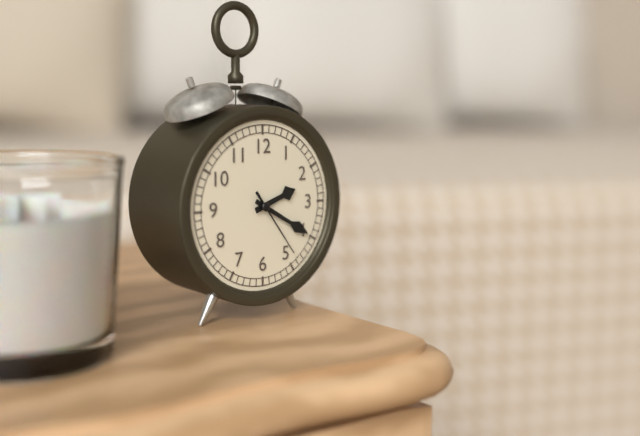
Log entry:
**2:20:24**
